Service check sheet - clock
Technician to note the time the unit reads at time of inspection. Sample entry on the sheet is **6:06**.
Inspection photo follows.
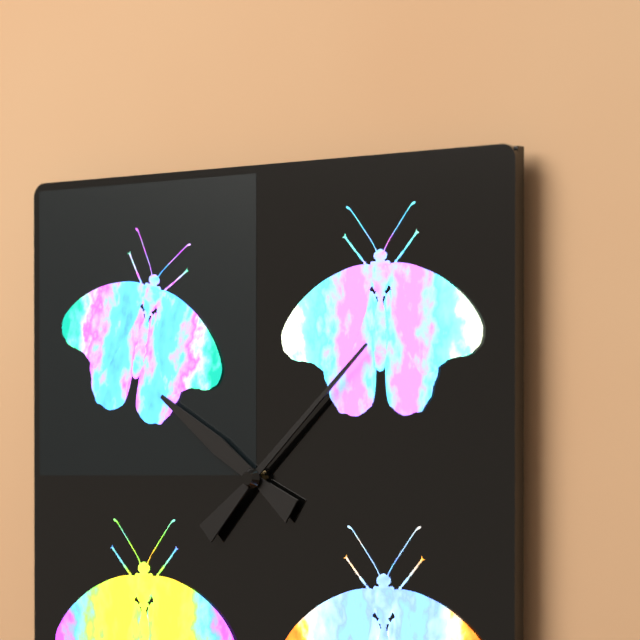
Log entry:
**10:08**
